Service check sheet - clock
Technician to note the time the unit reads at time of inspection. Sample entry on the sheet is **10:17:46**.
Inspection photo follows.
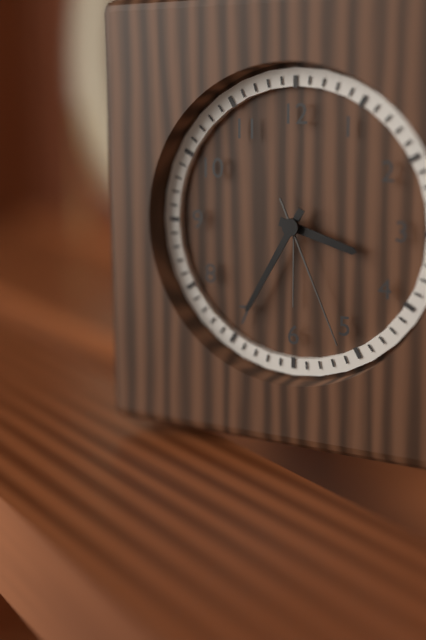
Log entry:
**3:35:26**
